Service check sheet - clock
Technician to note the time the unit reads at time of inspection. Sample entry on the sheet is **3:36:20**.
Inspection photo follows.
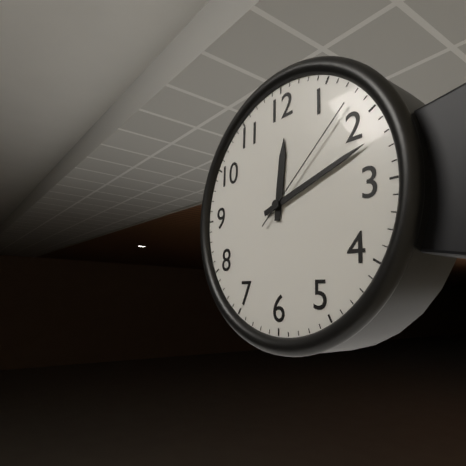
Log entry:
**12:12:08**
